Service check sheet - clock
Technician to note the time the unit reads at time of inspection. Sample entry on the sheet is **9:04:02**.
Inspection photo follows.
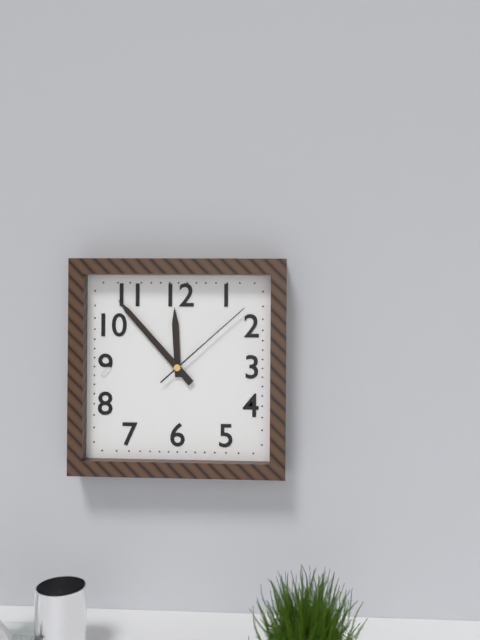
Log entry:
**11:53:08**
